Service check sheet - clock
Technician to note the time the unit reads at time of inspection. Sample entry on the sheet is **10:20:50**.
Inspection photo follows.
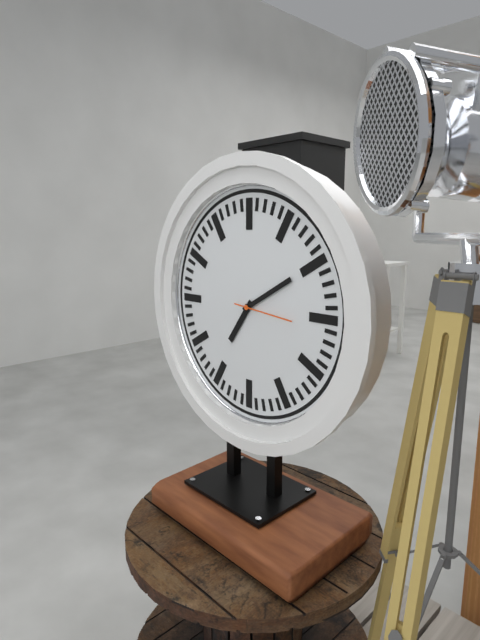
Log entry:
**7:10:16**
